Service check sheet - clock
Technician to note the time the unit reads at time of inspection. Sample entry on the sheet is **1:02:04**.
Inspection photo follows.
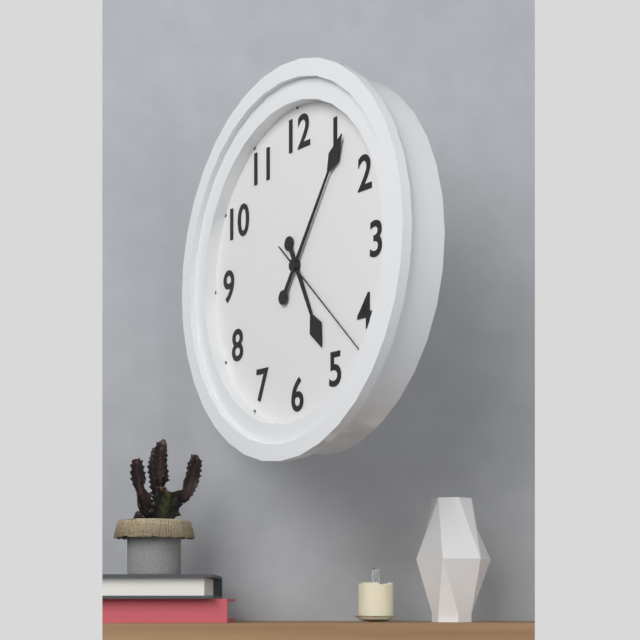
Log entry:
**5:06:22**
